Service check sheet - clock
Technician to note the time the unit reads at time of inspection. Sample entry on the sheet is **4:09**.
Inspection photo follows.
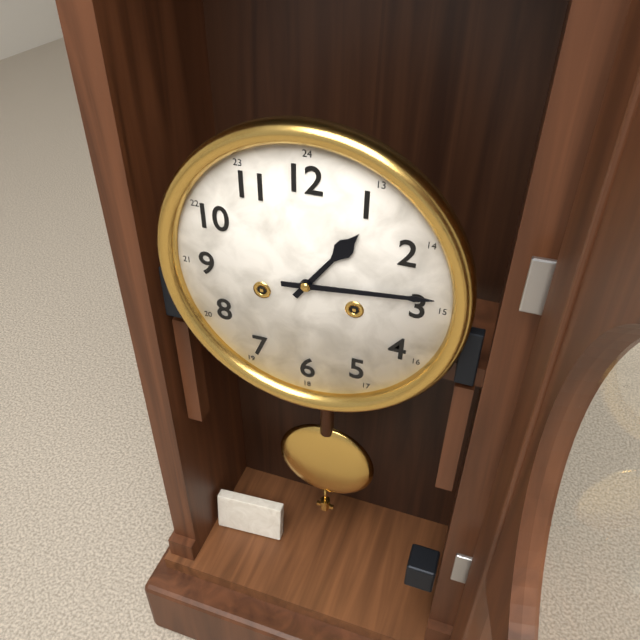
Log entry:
**1:14**
